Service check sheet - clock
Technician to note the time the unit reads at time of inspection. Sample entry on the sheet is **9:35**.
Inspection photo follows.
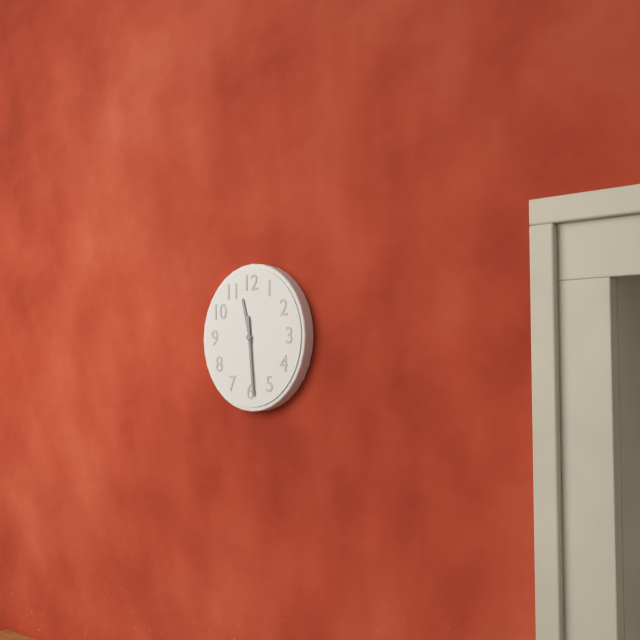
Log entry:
**11:29**
